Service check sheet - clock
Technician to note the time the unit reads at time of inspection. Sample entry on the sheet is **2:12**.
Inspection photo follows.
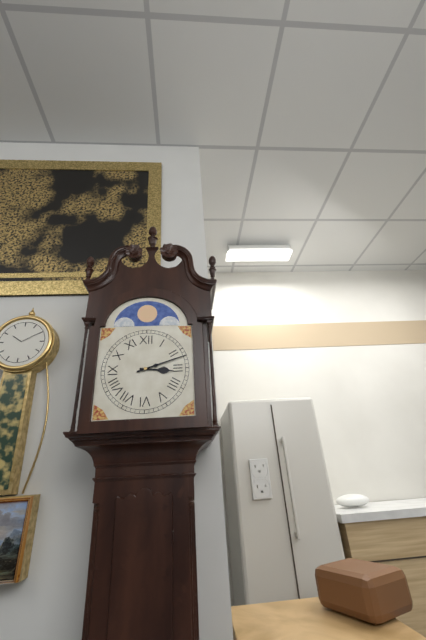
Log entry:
**3:12**
